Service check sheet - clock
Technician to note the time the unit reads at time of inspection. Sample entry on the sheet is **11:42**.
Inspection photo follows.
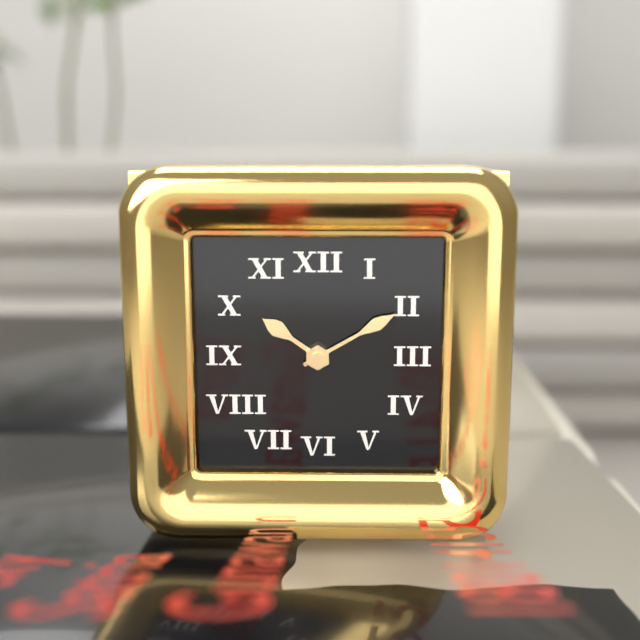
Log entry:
**10:10**
